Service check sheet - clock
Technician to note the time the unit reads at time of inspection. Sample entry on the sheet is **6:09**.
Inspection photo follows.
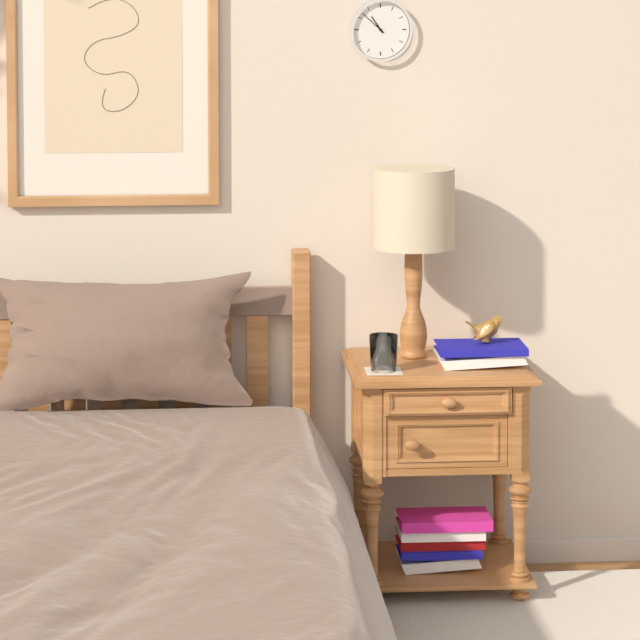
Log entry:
**10:52**
